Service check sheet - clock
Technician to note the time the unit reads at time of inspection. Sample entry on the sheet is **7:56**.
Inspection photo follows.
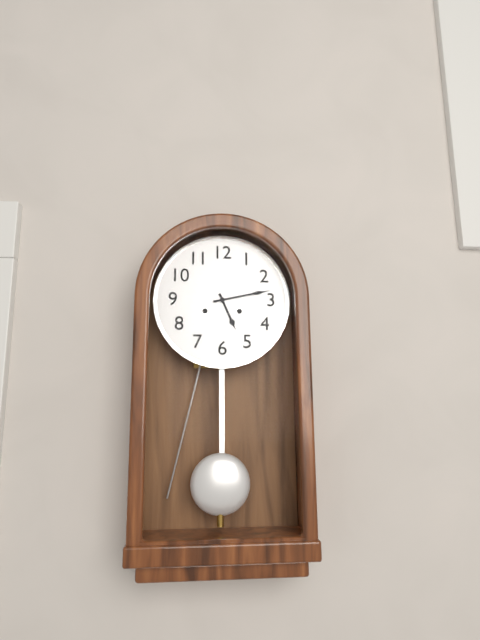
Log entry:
**5:13**
